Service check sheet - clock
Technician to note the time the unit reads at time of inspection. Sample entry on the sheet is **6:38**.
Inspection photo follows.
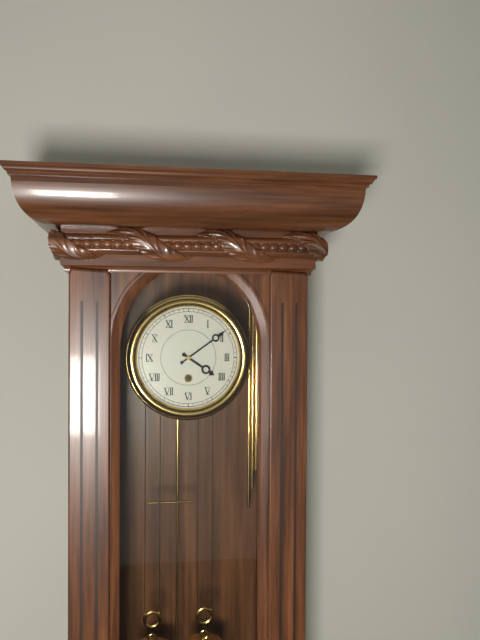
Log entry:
**4:09**
